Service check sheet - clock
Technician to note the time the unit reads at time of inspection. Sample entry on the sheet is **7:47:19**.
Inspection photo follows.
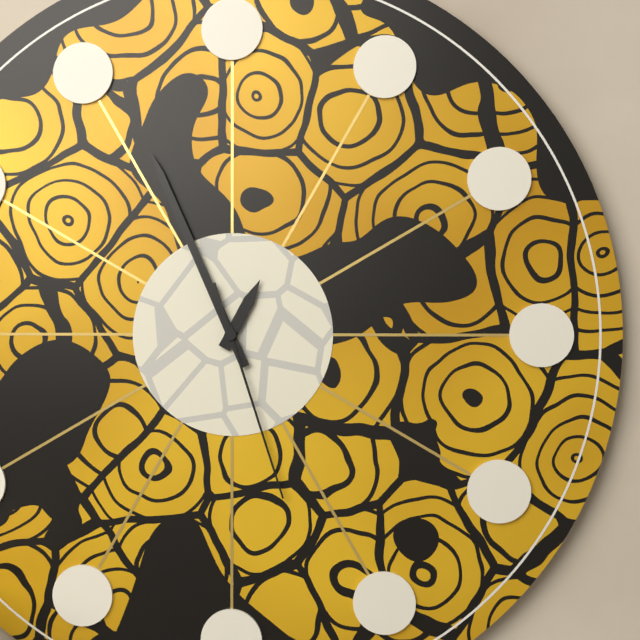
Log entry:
**12:56:27**
